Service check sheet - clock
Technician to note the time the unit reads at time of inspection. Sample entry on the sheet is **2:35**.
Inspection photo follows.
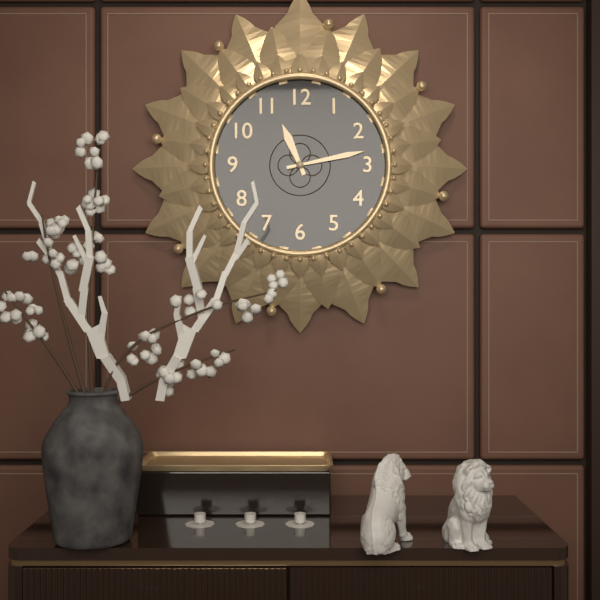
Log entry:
**11:13**
